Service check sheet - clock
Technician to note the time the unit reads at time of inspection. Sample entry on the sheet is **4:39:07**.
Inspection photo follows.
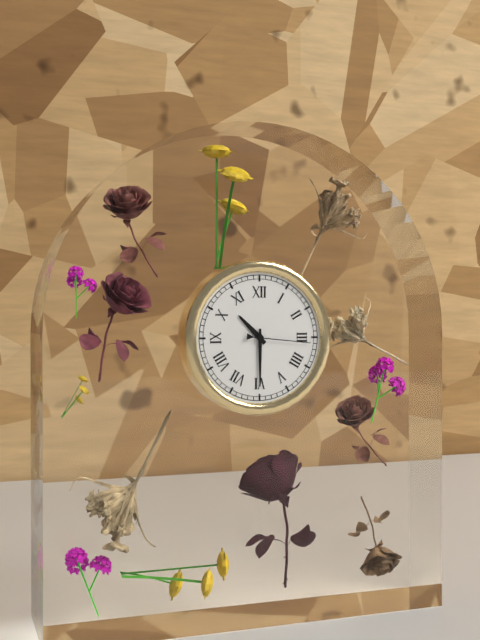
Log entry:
**10:30:16**
